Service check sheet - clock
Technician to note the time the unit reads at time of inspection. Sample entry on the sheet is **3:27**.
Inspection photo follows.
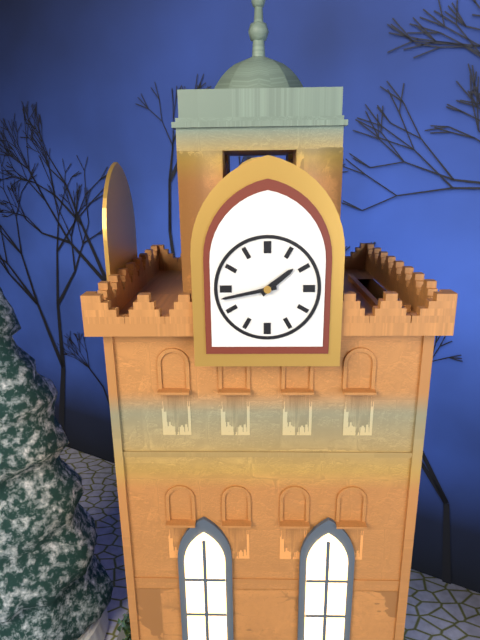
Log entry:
**1:43**
